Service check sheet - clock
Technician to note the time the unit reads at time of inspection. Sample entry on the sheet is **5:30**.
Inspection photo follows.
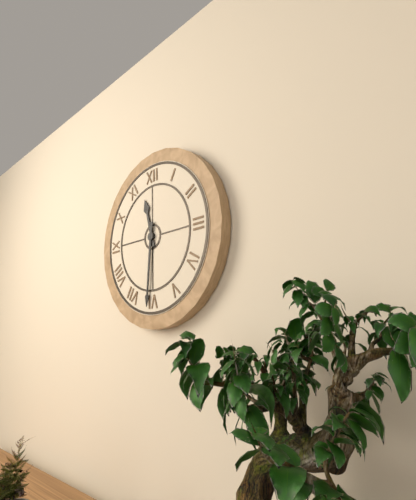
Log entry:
**11:31**
